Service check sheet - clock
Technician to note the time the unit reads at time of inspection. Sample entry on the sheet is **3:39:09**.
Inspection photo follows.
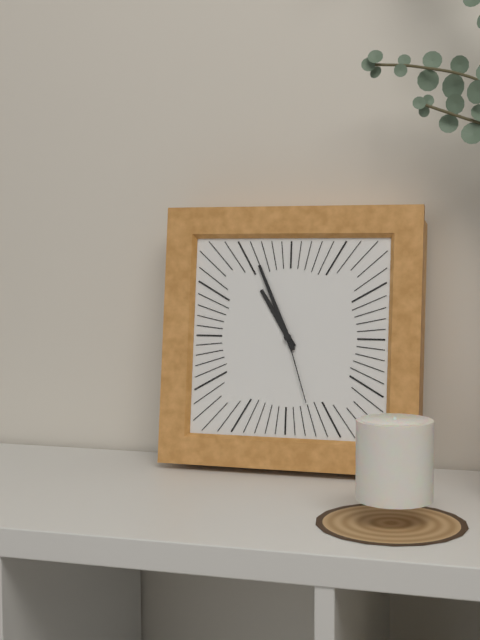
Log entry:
**10:56:27**
